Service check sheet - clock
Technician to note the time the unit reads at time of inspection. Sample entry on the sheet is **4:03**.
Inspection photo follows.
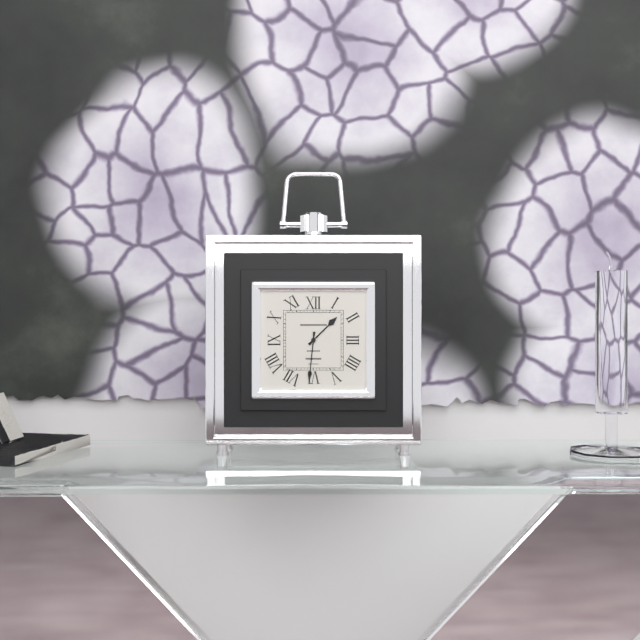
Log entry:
**1:31**
